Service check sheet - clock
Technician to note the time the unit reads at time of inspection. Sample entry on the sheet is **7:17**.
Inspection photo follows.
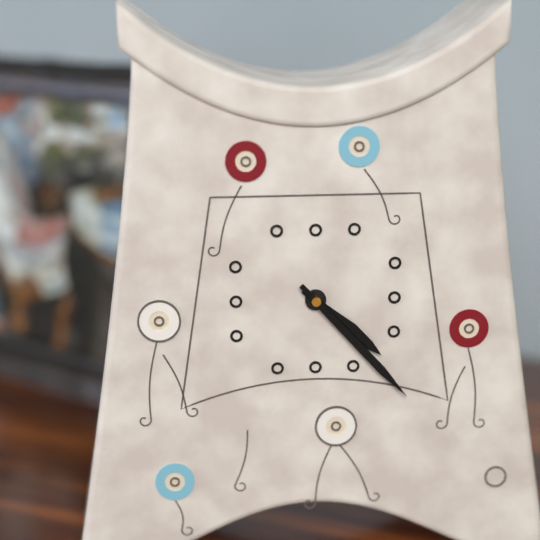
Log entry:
**4:23**
